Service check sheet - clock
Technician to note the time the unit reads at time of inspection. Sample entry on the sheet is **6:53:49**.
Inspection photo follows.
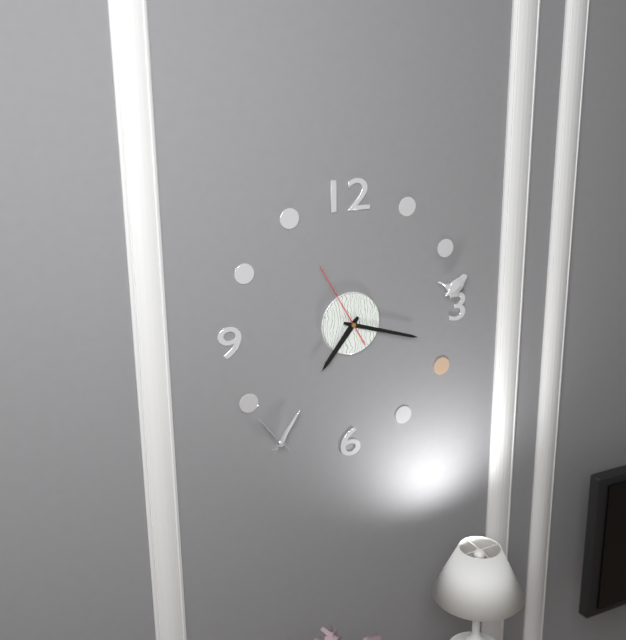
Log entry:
**7:18:55**
